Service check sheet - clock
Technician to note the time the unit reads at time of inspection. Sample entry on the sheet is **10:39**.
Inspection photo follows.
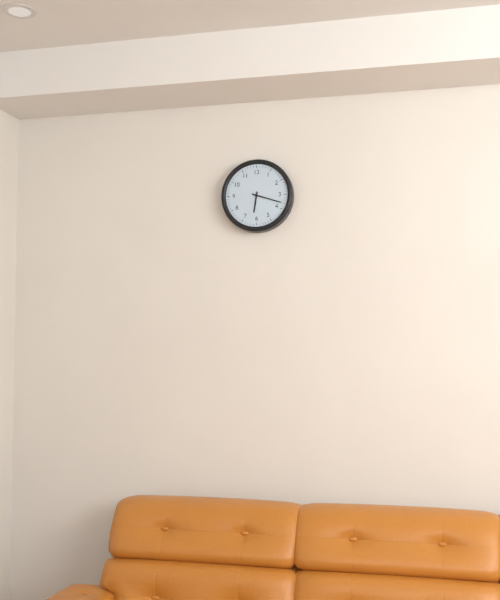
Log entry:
**6:18**
